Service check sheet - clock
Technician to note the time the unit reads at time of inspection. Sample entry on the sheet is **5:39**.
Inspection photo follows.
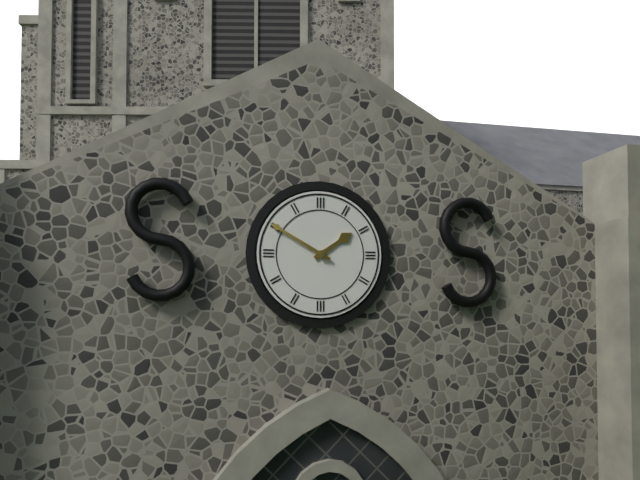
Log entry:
**1:50**
